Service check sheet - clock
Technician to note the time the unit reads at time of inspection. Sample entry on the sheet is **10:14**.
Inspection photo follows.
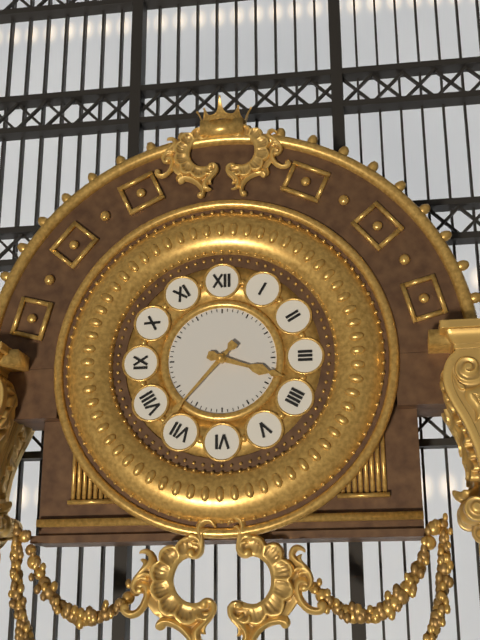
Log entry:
**3:37**
